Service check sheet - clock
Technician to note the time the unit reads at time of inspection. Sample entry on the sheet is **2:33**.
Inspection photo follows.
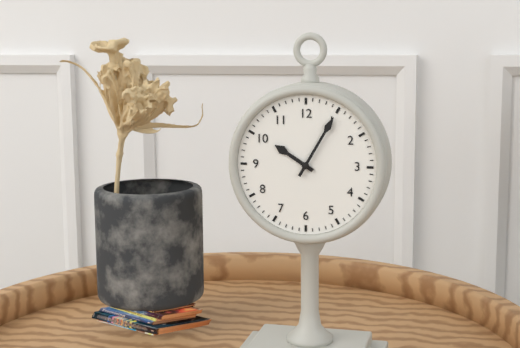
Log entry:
**10:05**
